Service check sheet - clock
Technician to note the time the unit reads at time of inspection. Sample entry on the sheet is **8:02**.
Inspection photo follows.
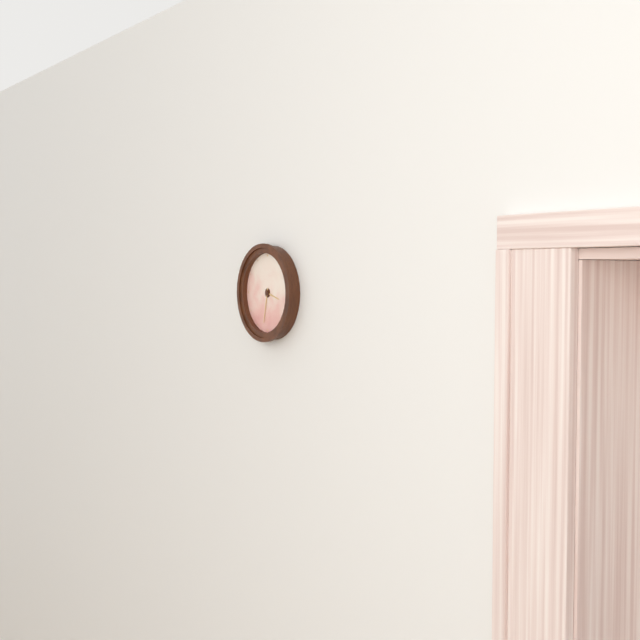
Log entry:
**3:32**
